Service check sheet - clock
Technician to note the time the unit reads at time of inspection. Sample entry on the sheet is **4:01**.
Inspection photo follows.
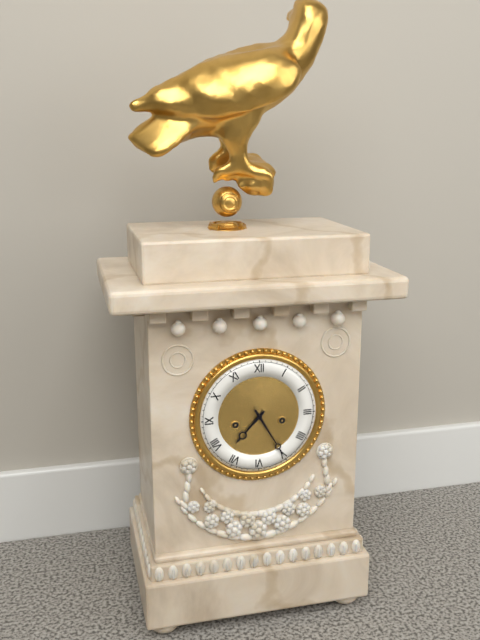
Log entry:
**7:25**
